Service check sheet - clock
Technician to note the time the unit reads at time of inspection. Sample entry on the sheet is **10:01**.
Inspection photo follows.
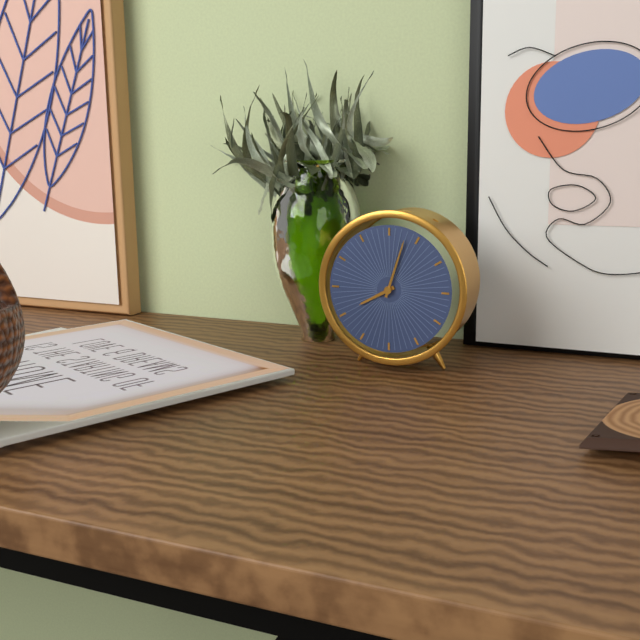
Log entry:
**8:03**
